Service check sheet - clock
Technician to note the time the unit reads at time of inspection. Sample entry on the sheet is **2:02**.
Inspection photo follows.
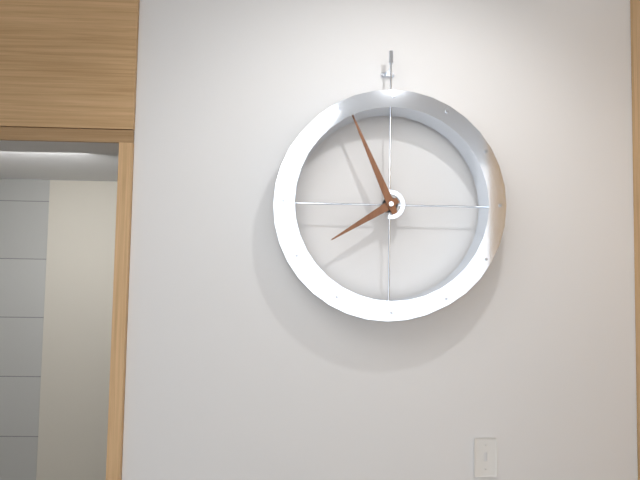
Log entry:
**7:56**
